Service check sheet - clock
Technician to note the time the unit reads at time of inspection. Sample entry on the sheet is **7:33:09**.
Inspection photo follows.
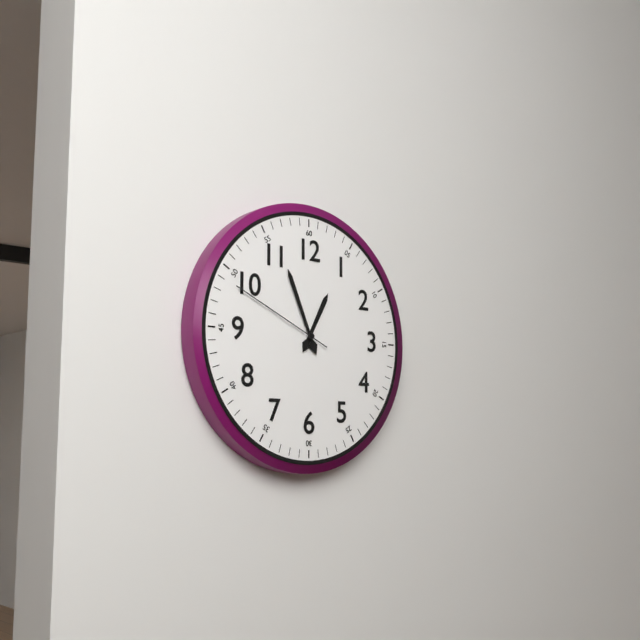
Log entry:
**12:56:49**
